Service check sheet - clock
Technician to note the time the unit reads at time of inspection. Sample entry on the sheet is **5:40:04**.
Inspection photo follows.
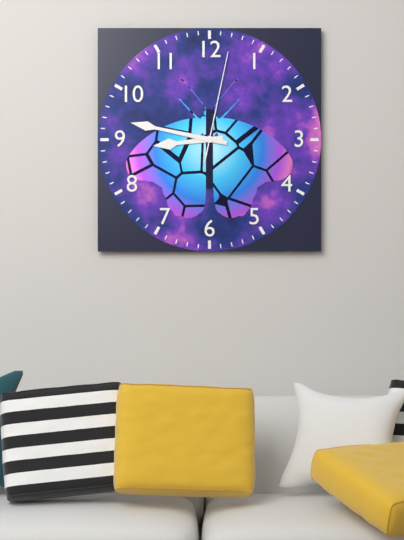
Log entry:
**8:47:02**
